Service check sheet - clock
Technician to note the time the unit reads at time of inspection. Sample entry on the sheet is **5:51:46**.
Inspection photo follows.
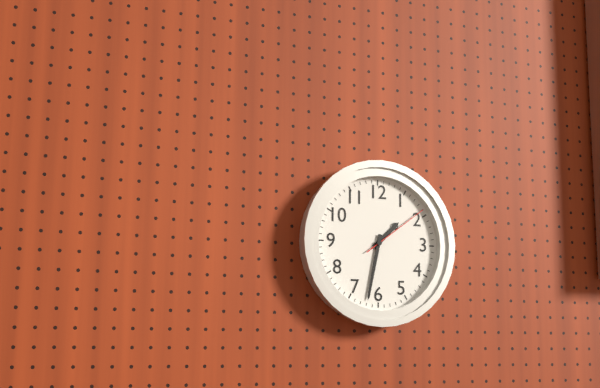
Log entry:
**1:32:09**
